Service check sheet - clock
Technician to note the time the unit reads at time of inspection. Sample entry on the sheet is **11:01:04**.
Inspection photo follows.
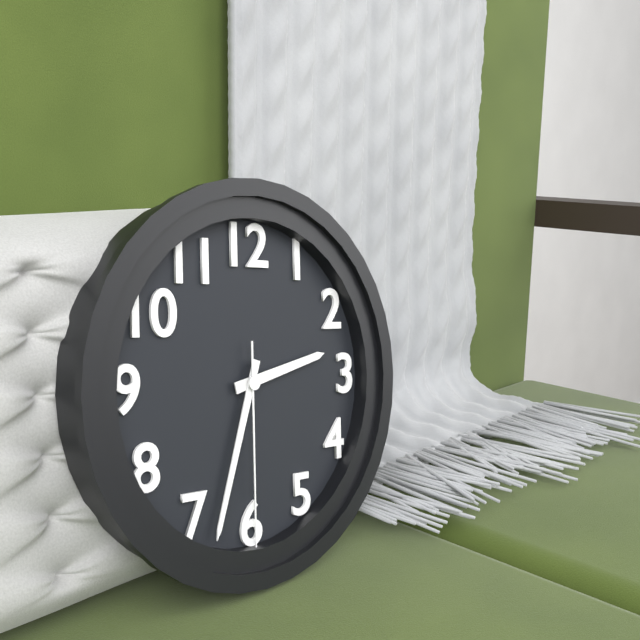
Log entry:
**2:33:30**
